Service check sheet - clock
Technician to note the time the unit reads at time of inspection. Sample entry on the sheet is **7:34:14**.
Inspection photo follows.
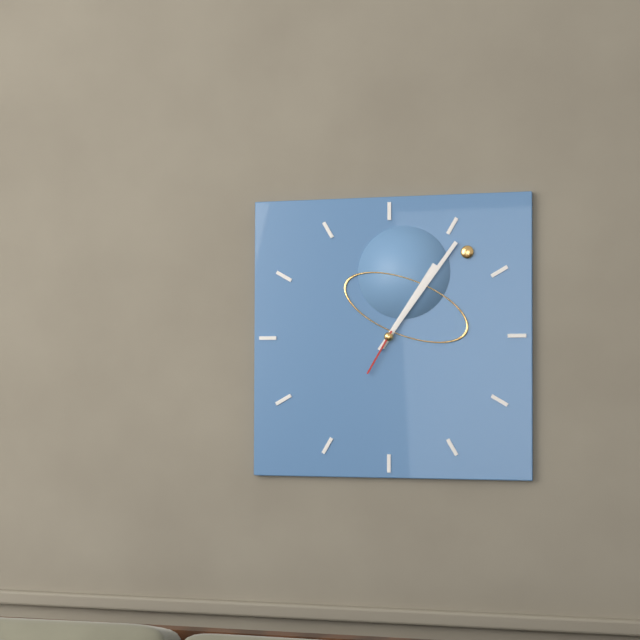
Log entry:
**1:06:35**
